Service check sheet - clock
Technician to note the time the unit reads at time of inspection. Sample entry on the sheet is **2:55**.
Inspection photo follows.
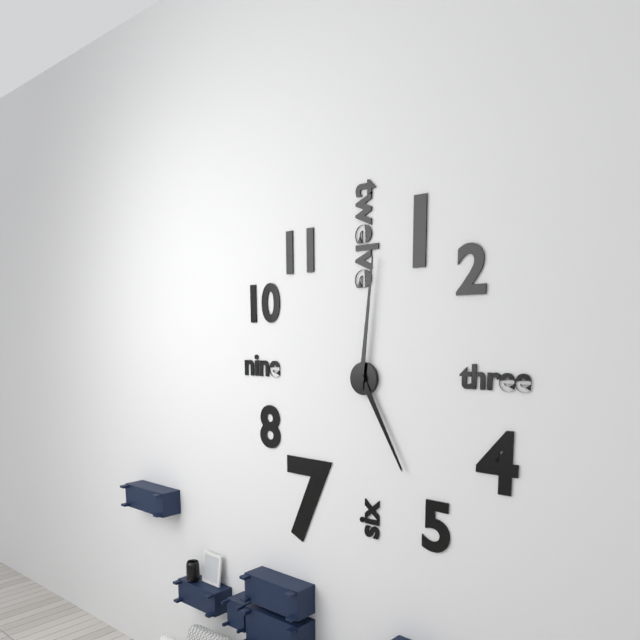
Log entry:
**5:01**
